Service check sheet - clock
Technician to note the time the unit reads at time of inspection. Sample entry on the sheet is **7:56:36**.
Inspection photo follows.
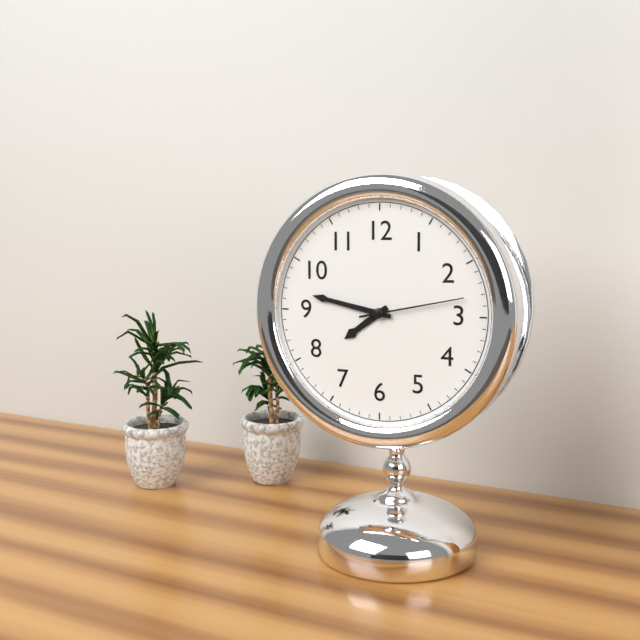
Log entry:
**7:47:13**
